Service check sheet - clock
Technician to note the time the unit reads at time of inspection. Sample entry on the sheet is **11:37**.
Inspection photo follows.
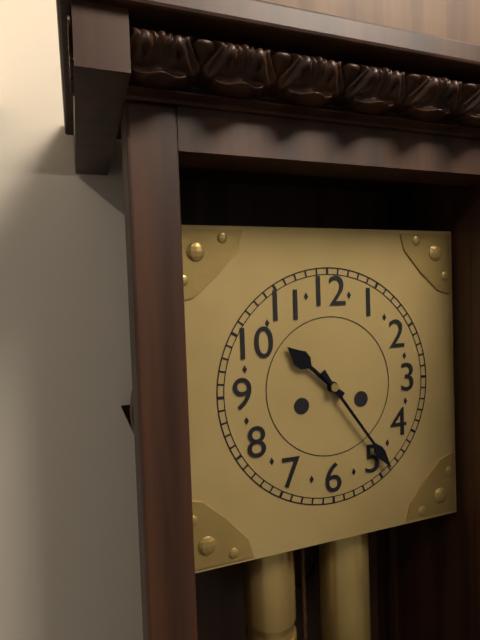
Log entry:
**10:24**
